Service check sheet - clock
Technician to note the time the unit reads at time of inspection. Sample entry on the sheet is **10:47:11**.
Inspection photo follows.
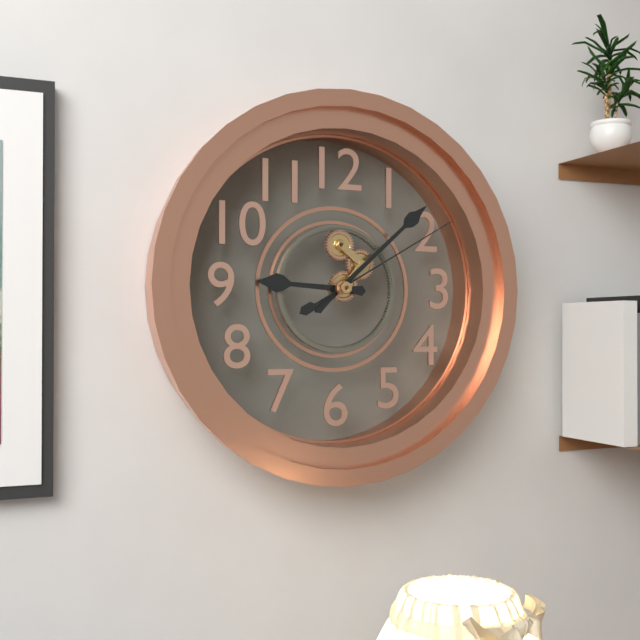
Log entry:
**9:08:10**
